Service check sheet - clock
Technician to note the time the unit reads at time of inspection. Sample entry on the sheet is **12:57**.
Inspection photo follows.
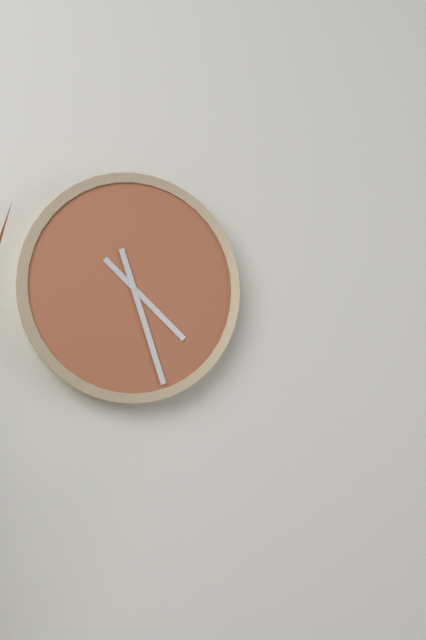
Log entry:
**4:27**
